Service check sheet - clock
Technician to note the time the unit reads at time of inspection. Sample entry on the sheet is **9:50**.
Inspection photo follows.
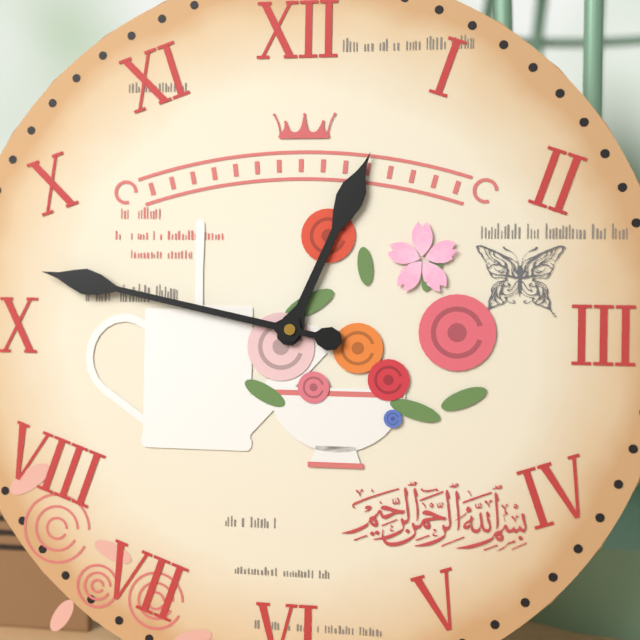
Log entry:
**12:47**
